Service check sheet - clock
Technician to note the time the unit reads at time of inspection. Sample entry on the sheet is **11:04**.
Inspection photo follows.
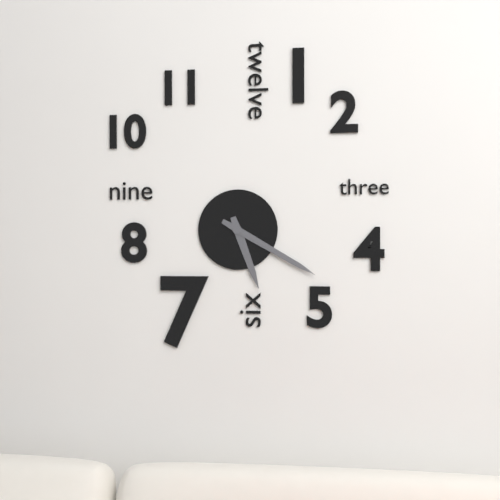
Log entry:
**5:20**
